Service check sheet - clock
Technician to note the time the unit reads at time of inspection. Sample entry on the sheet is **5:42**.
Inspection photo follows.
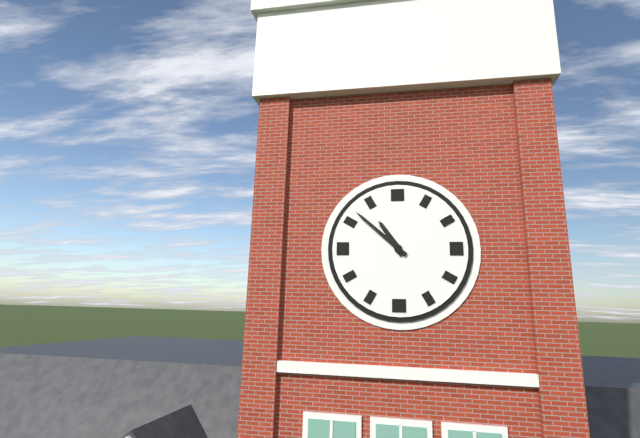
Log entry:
**10:52**
